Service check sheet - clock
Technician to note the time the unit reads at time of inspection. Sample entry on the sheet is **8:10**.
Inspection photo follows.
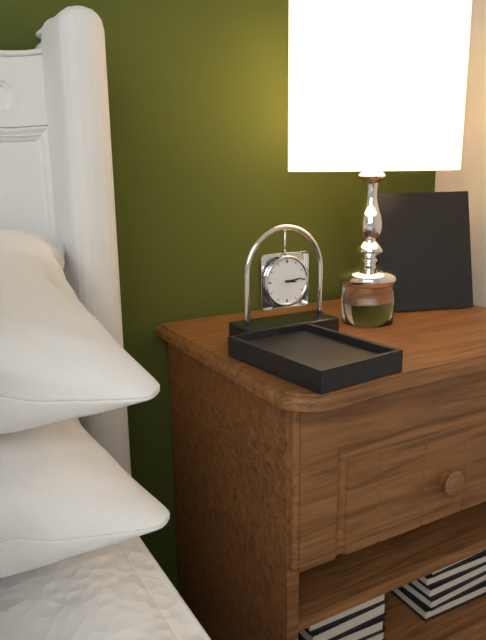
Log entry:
**3:14**
